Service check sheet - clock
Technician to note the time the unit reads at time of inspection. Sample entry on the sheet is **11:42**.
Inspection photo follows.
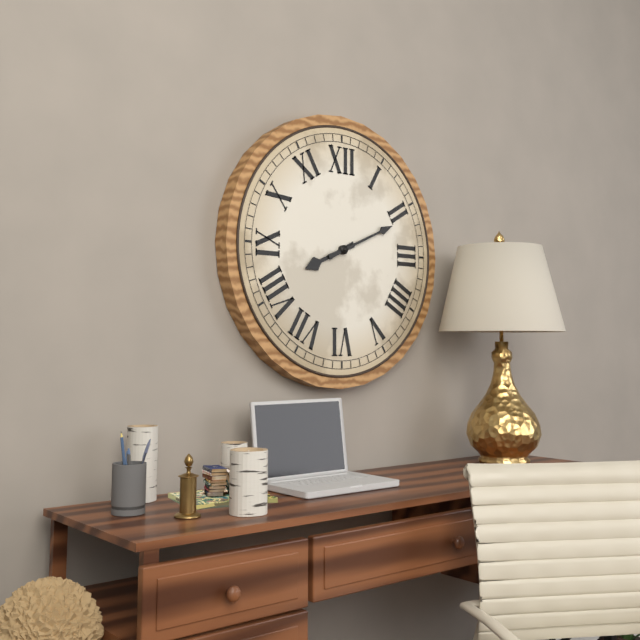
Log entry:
**8:11**
